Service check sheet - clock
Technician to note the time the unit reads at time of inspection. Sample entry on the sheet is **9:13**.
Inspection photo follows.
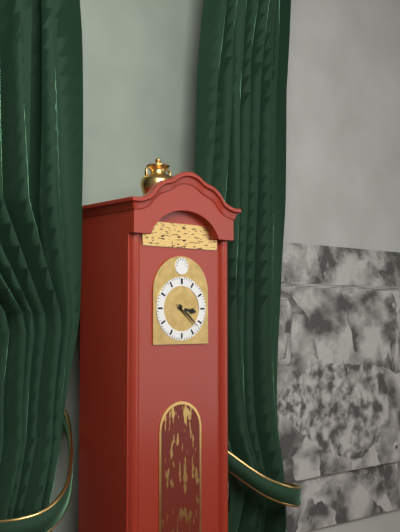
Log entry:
**3:22**
